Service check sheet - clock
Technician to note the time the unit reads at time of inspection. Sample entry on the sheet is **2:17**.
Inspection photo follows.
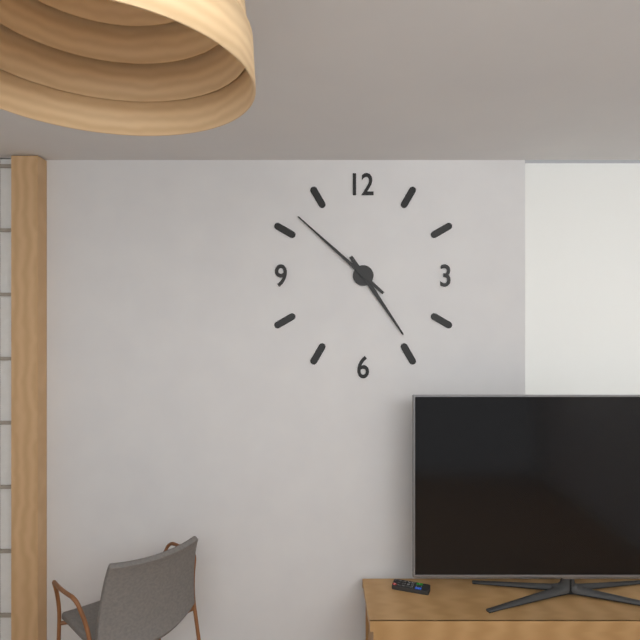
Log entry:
**4:52**
